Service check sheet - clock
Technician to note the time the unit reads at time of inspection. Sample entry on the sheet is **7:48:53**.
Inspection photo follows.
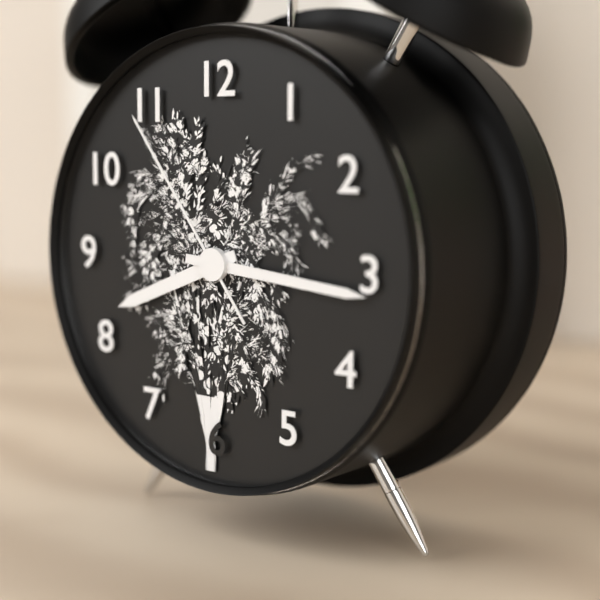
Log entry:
**8:16:54**
